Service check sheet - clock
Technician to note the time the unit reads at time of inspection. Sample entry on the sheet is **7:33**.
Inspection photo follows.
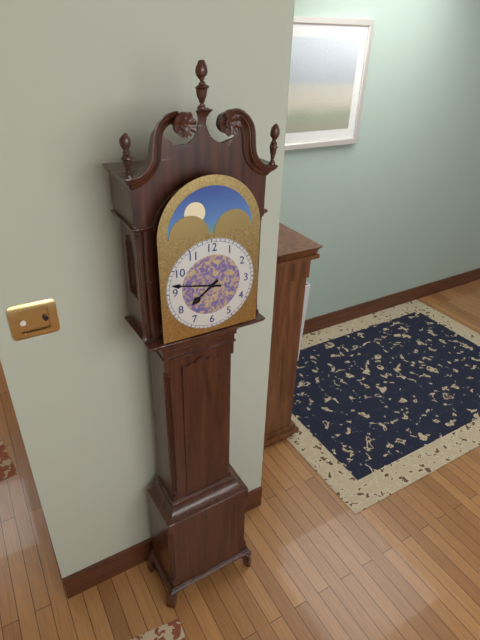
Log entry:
**7:47**
